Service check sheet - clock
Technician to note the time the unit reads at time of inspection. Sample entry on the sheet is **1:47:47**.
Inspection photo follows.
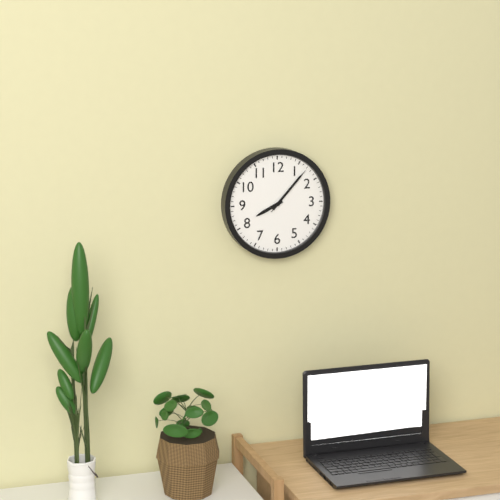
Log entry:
**8:07:07**
